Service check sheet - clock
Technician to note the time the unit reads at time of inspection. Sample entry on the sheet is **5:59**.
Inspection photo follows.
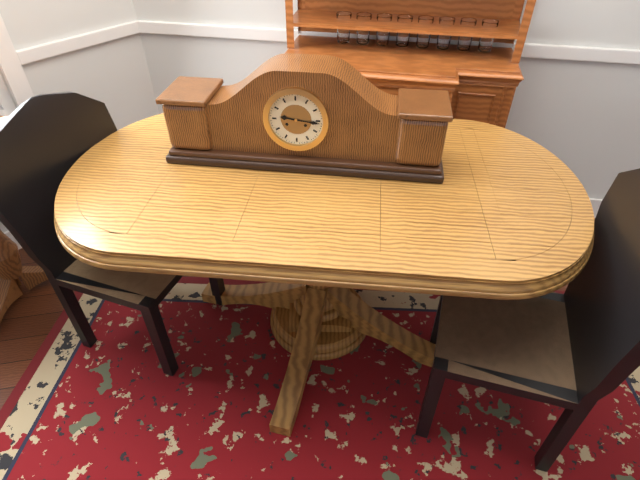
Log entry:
**9:16**
